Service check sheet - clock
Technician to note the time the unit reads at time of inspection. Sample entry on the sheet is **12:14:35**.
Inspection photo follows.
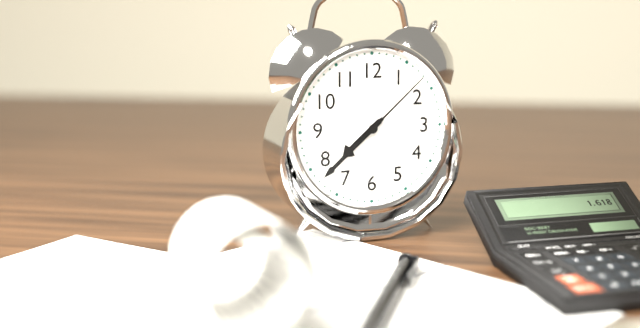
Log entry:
**7:38:08**
